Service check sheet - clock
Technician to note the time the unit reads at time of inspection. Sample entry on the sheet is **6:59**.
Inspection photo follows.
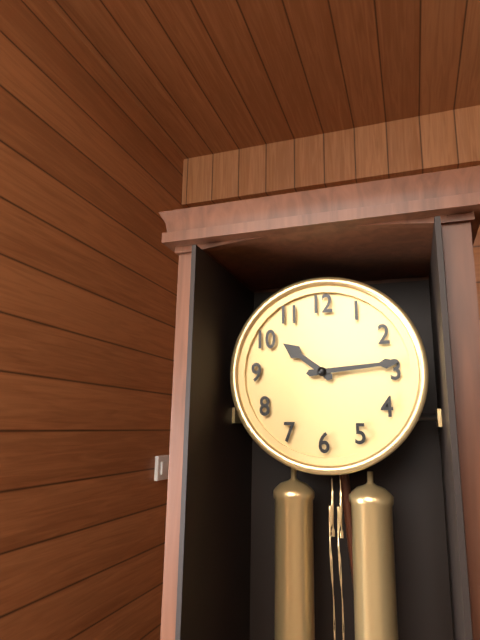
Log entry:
**10:14**
